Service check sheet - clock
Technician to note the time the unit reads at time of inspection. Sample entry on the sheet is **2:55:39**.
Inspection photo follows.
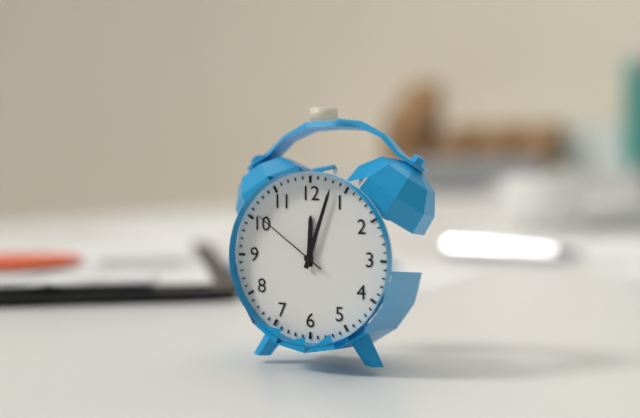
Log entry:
**12:03:51**
